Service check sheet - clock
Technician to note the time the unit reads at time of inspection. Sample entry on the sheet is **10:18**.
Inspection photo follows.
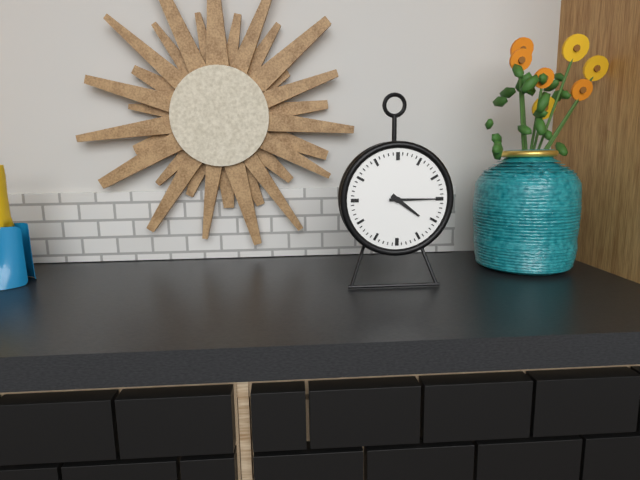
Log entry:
**4:15**
